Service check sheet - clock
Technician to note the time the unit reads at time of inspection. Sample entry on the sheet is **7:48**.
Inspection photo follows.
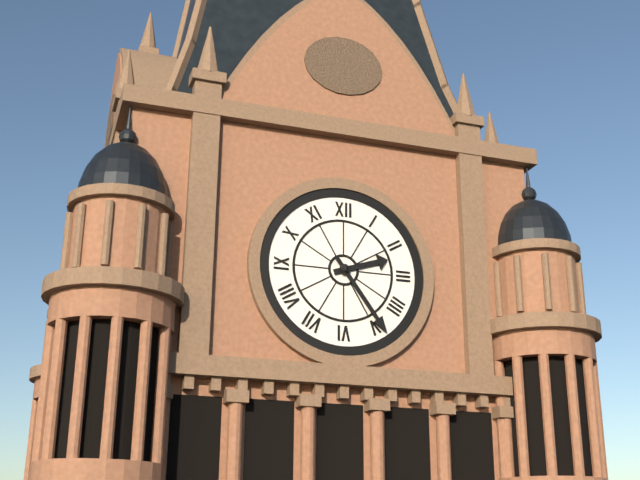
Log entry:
**2:24**
